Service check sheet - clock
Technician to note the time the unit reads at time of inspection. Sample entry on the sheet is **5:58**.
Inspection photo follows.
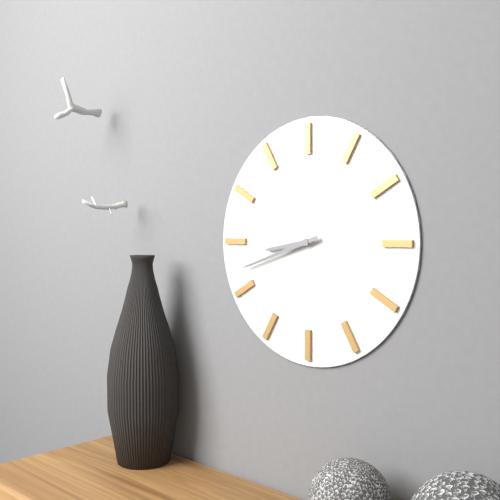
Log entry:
**8:42**
